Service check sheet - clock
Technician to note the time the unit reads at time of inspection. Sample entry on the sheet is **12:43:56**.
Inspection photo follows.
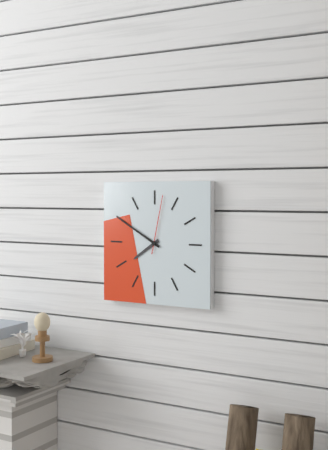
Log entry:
**7:50:02**
